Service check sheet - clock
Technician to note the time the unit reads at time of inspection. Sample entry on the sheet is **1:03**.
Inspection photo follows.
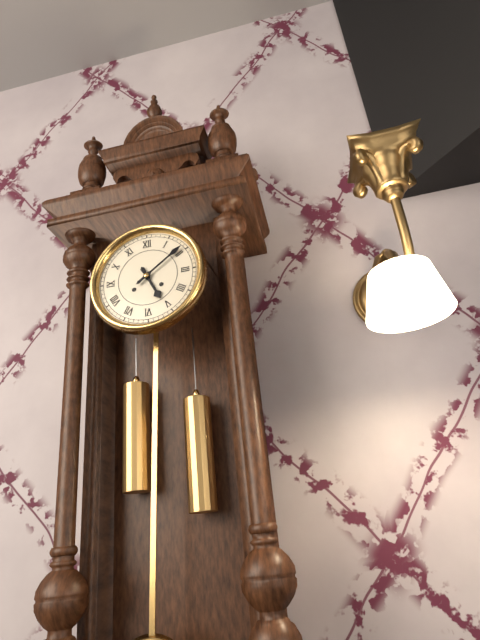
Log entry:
**5:09**
